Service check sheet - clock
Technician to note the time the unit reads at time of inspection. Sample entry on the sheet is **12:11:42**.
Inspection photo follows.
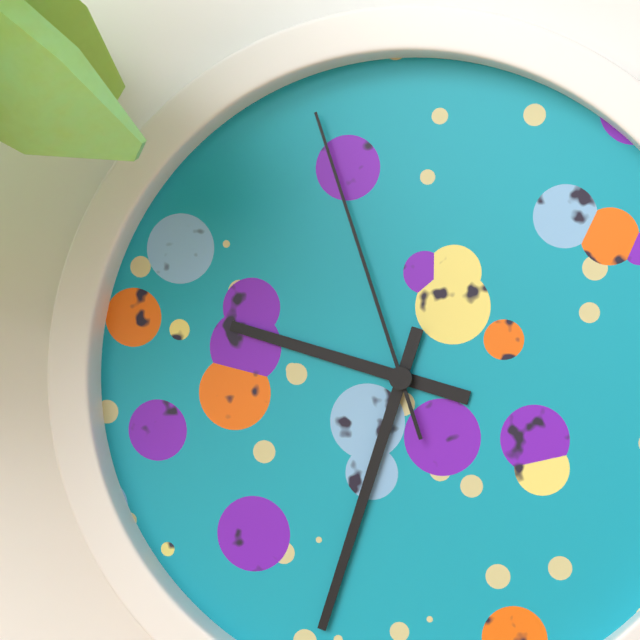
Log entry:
**9:33:57**
